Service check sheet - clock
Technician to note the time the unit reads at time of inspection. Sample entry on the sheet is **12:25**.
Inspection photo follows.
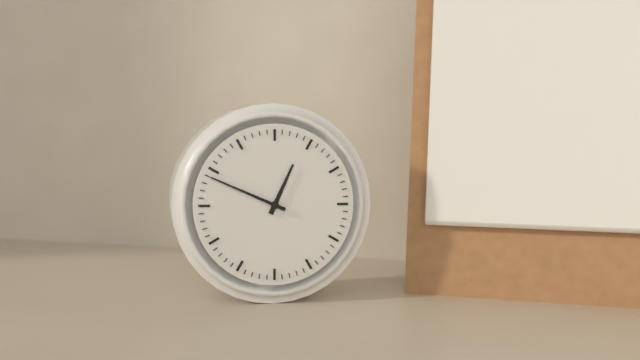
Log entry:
**12:49**
